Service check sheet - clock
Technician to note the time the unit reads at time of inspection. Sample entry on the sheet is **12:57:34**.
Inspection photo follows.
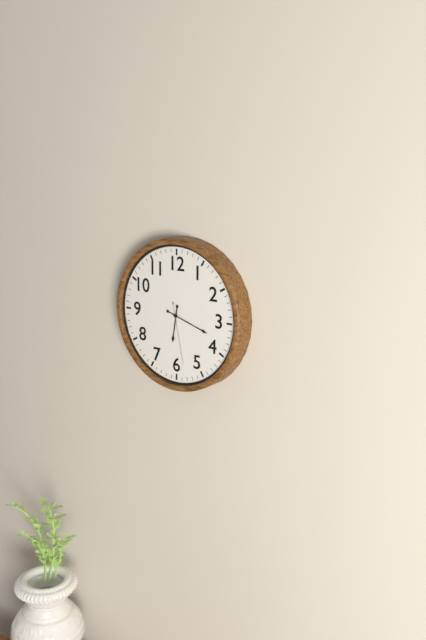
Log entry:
**6:18:28**
